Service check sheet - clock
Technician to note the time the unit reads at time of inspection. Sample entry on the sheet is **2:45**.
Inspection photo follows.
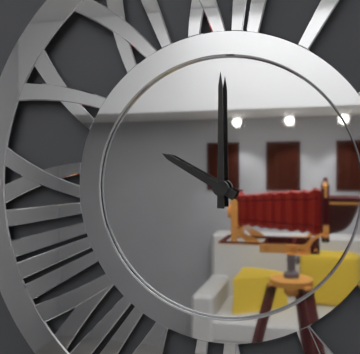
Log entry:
**10:00**
